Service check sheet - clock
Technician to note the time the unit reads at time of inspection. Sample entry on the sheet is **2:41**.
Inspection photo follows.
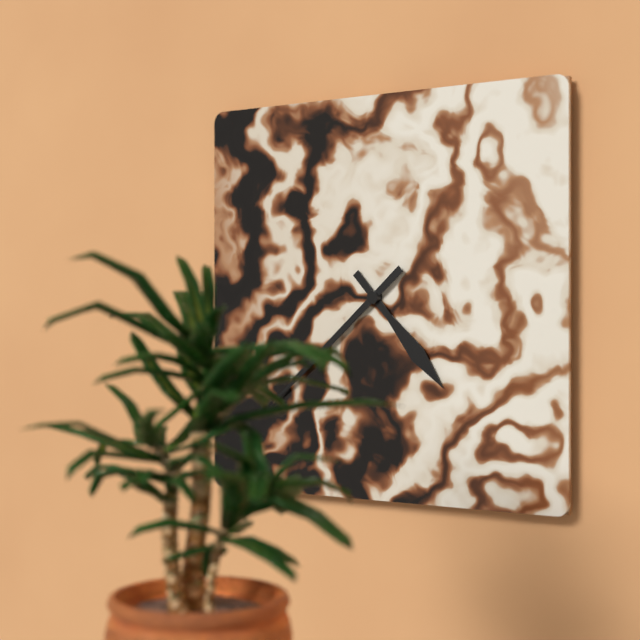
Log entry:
**4:38**
